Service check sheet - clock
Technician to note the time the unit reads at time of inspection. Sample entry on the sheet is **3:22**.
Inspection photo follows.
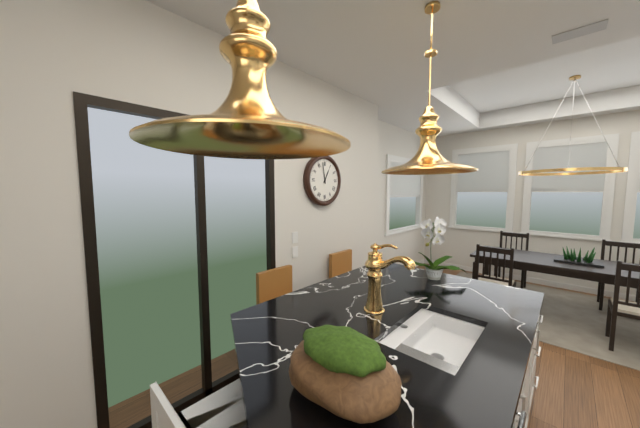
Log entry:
**12:58**
